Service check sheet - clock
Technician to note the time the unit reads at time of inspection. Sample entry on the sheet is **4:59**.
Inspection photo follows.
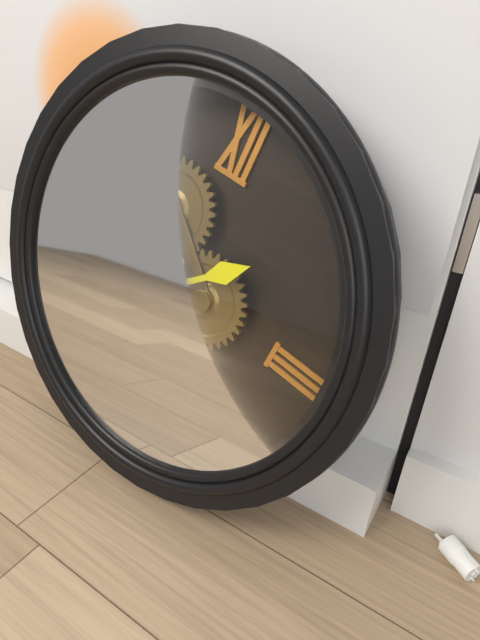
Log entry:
**1:31**
